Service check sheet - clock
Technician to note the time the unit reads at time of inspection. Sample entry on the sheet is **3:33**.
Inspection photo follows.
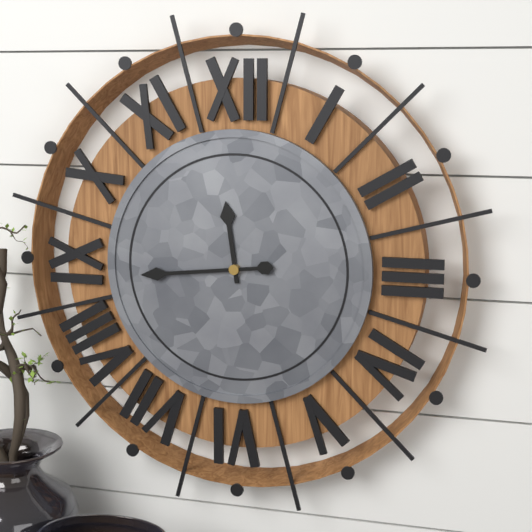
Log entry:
**11:44**
